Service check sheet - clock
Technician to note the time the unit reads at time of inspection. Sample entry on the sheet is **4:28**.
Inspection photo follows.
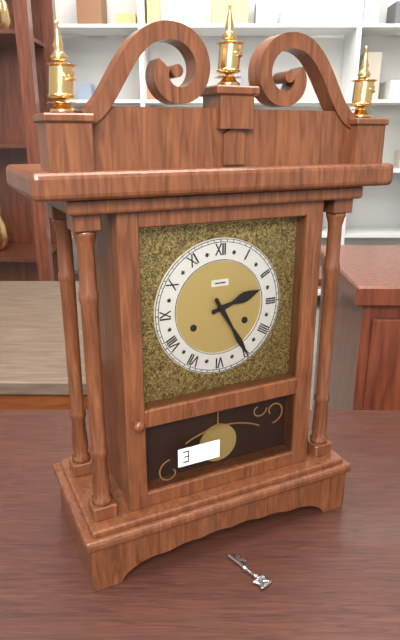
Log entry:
**2:25**
